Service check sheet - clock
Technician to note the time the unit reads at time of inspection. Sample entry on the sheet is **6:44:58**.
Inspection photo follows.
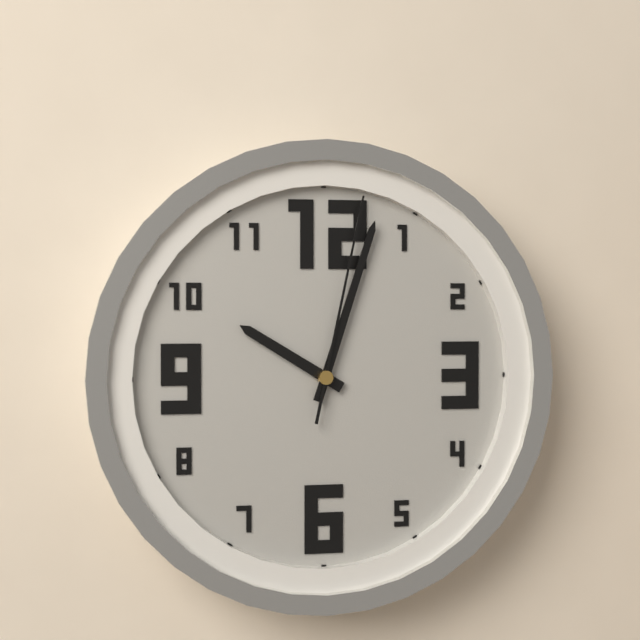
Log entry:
**10:03:02**
